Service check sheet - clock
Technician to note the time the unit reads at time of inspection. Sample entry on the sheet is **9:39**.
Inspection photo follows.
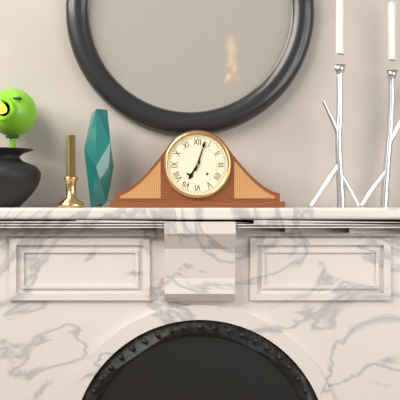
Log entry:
**7:03**
